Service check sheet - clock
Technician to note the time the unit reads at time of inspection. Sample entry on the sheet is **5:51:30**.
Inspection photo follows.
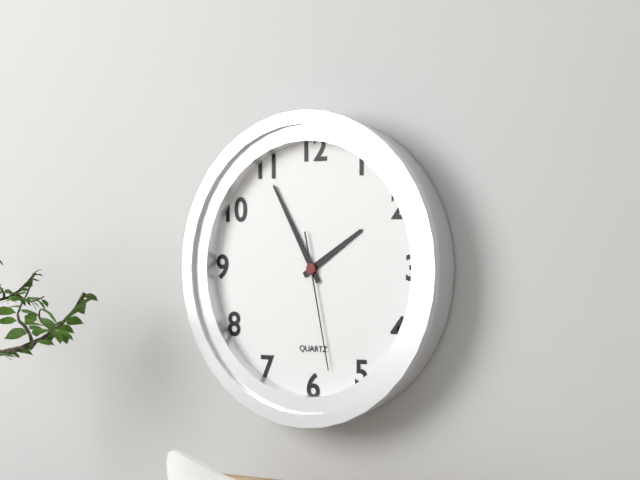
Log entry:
**1:55:28**
